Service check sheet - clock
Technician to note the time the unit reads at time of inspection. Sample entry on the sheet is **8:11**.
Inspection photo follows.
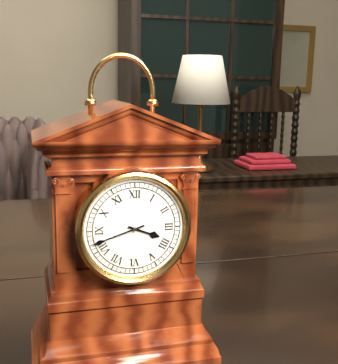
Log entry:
**3:42**
